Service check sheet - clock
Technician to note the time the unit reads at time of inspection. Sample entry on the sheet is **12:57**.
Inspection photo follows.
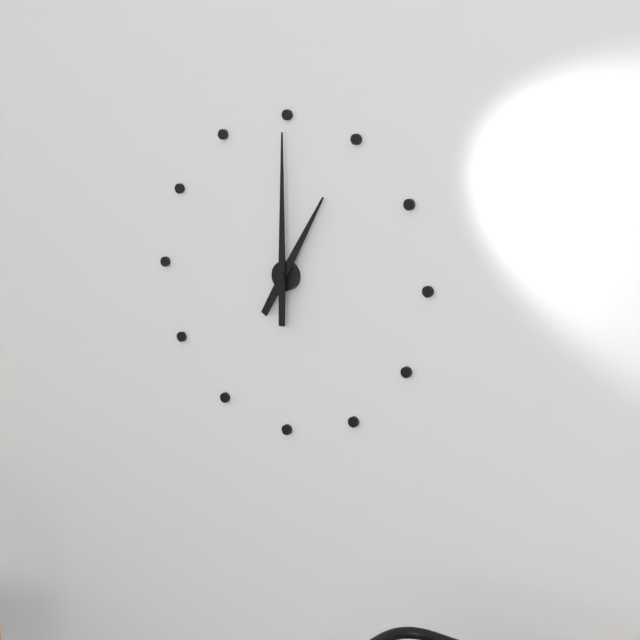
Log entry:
**1:00**
